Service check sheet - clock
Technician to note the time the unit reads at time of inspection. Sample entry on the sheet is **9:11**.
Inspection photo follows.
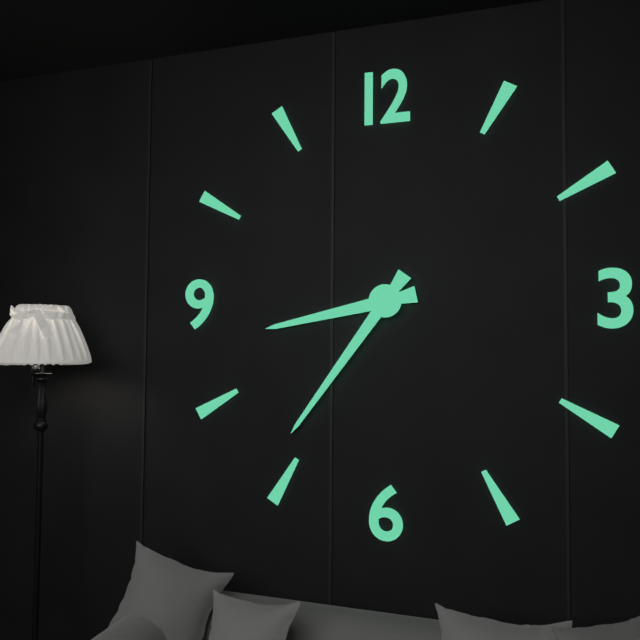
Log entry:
**8:36**
